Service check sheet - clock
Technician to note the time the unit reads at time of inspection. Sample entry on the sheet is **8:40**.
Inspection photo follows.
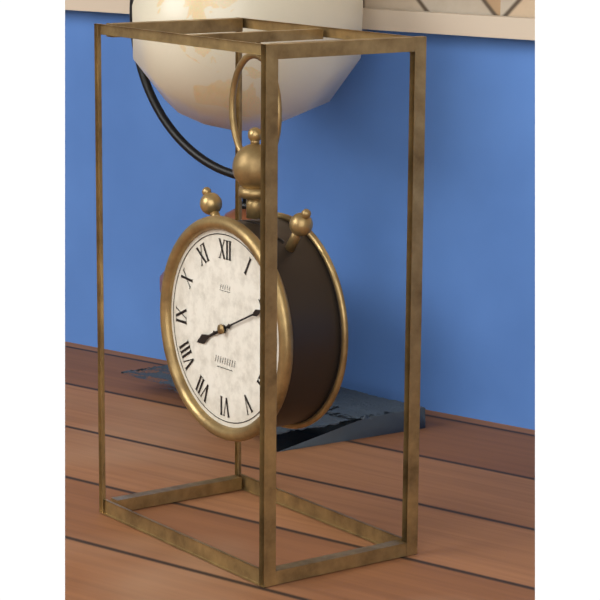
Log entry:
**8:11**
